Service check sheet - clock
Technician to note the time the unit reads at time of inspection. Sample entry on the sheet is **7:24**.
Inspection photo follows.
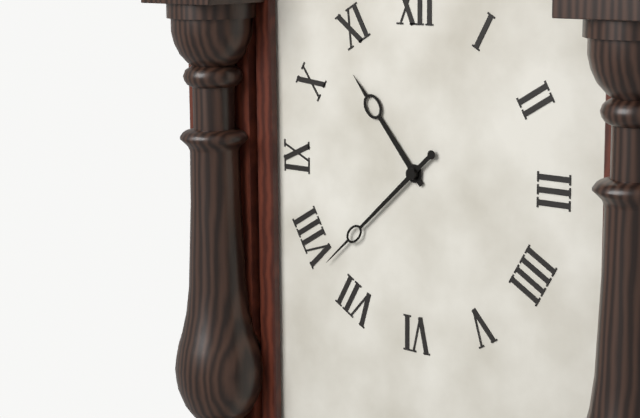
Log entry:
**10:38**
